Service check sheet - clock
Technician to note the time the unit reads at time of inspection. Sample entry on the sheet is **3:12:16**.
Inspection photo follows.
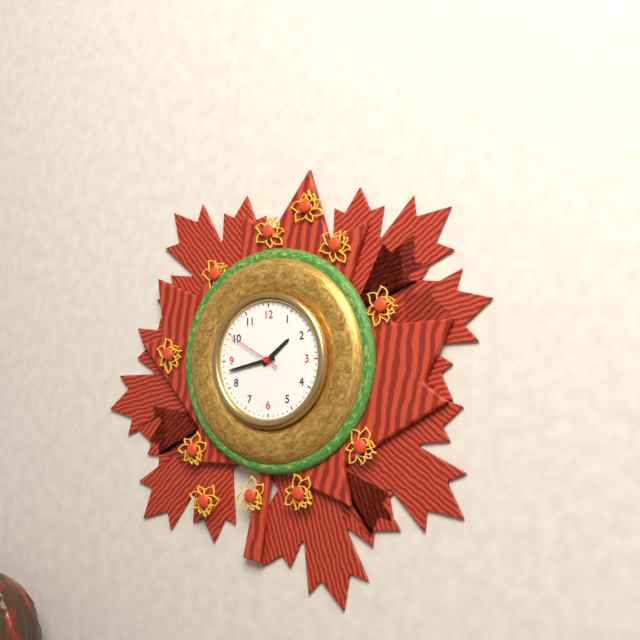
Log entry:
**1:43:50**
